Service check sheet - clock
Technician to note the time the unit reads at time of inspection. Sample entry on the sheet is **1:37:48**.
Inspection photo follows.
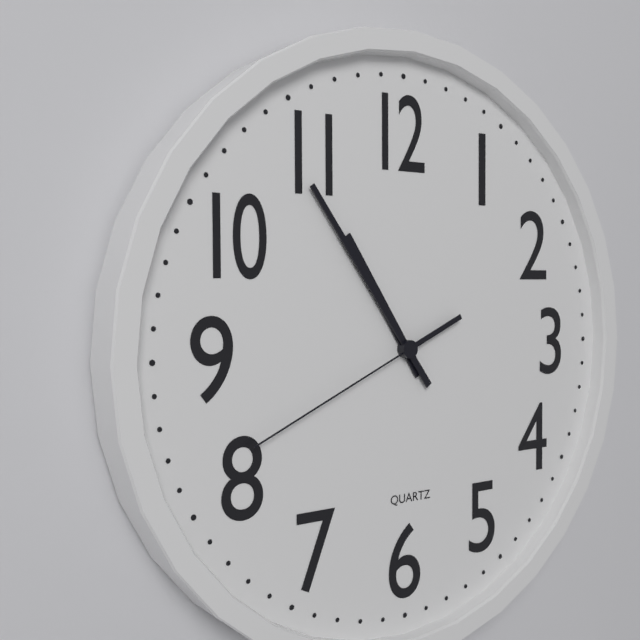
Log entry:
**10:54:41**
